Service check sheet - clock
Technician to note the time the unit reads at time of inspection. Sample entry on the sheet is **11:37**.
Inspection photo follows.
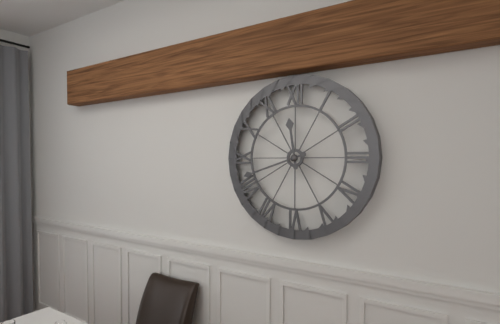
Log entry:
**11:42**
